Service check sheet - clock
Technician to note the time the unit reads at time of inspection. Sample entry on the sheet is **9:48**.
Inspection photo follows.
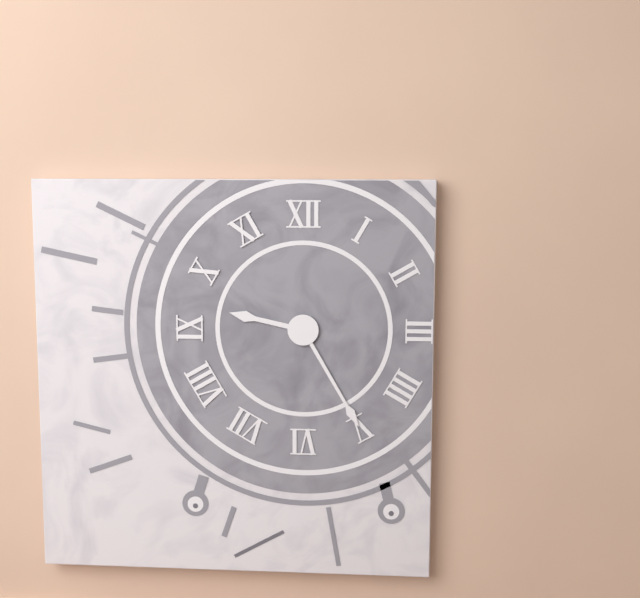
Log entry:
**9:25**
